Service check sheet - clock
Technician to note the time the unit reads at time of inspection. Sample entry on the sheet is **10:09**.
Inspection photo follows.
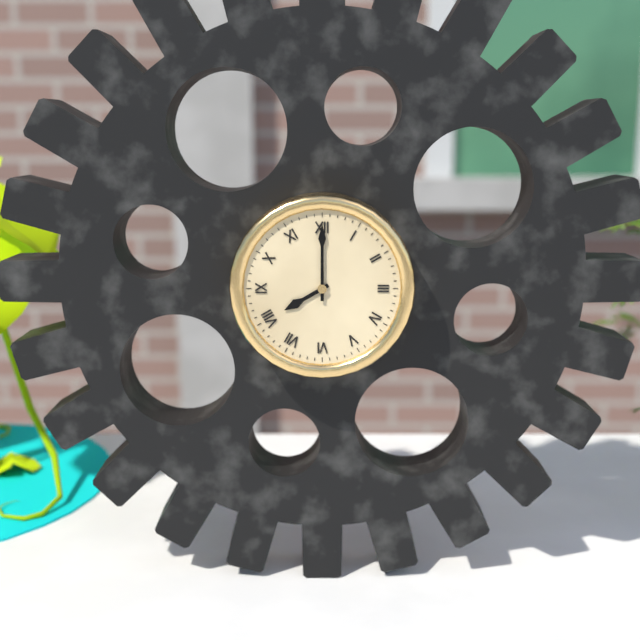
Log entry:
**8:00**
